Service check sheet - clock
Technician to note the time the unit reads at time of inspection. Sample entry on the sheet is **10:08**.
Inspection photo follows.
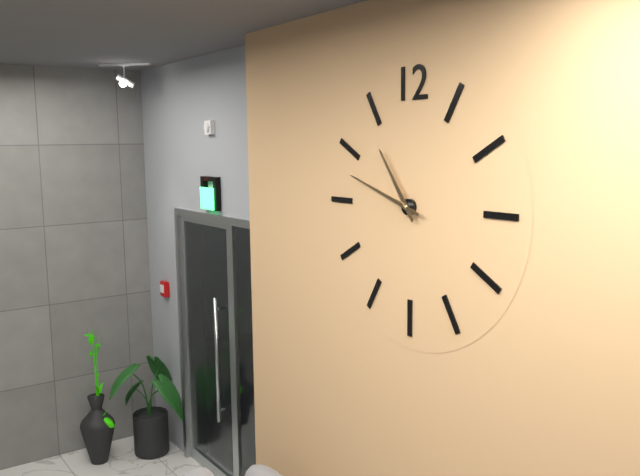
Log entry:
**10:48**
